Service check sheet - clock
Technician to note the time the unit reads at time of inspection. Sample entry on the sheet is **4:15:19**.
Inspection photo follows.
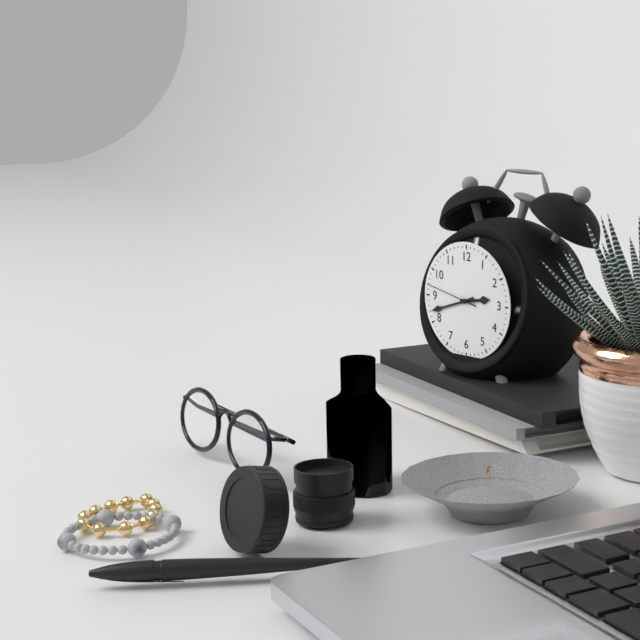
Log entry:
**2:42:47**
